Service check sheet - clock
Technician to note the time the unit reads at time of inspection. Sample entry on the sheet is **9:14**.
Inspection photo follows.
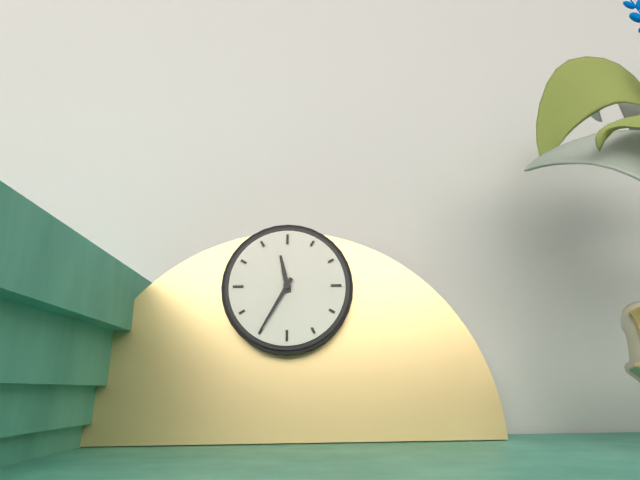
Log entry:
**11:35**
